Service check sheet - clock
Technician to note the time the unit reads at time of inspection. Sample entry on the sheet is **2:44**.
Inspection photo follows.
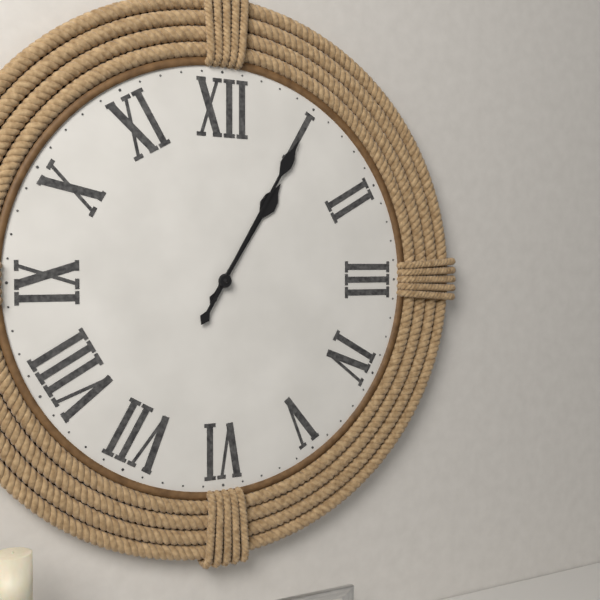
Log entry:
**1:05**
